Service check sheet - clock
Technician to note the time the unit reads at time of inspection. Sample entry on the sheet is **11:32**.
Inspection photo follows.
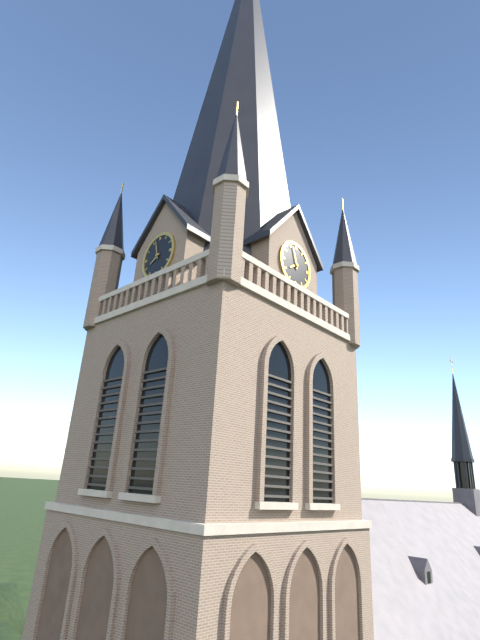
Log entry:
**7:57**
